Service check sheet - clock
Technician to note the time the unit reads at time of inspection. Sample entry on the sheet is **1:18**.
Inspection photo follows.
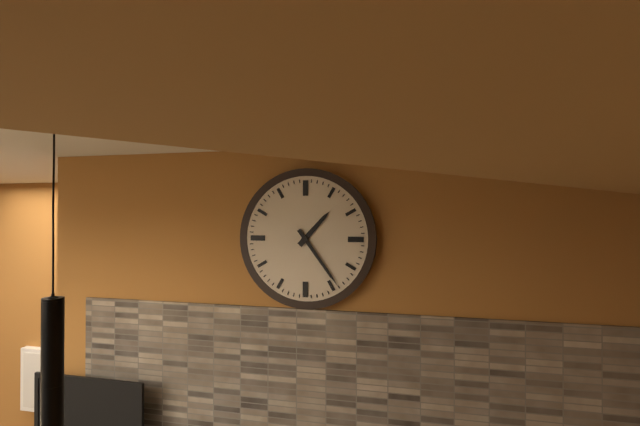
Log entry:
**1:24**
